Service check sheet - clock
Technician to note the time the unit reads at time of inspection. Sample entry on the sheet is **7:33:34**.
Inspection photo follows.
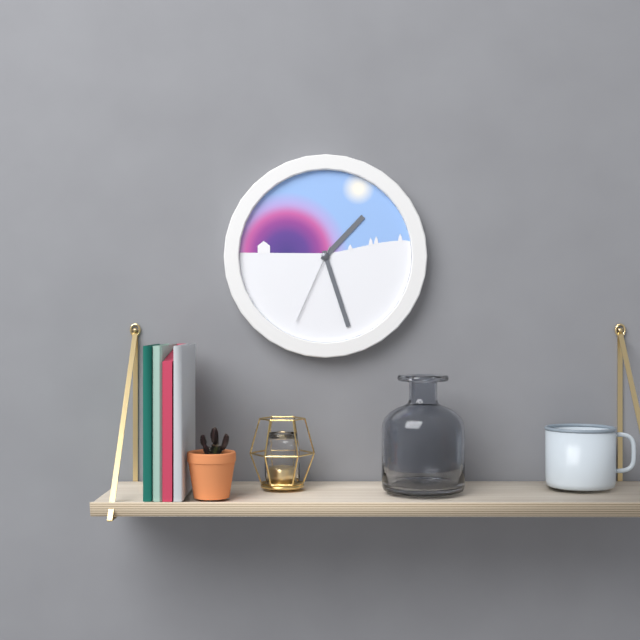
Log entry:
**1:27:34**
